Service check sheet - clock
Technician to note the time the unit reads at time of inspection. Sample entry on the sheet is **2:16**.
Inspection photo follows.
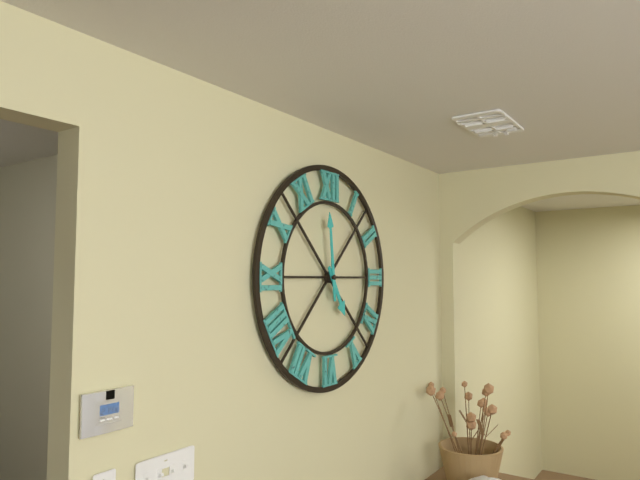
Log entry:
**4:59**
